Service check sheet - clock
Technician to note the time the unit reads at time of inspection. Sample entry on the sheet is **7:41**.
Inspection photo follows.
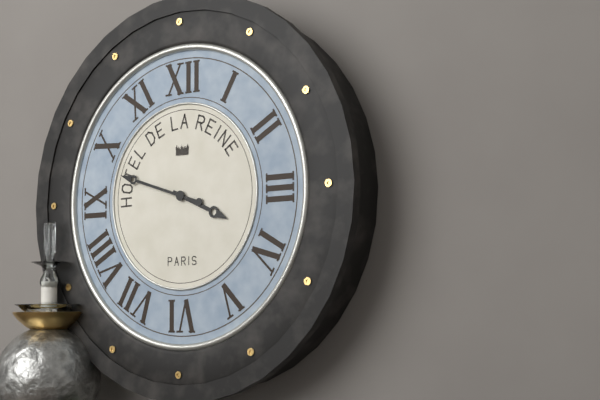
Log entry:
**3:48**
